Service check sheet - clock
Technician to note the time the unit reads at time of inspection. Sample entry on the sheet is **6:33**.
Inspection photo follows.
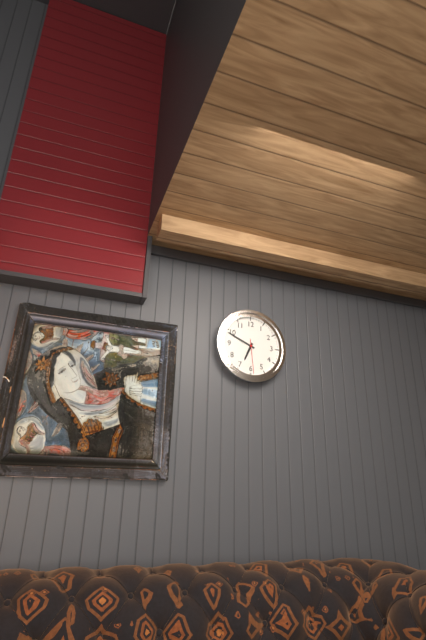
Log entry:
**6:49**
